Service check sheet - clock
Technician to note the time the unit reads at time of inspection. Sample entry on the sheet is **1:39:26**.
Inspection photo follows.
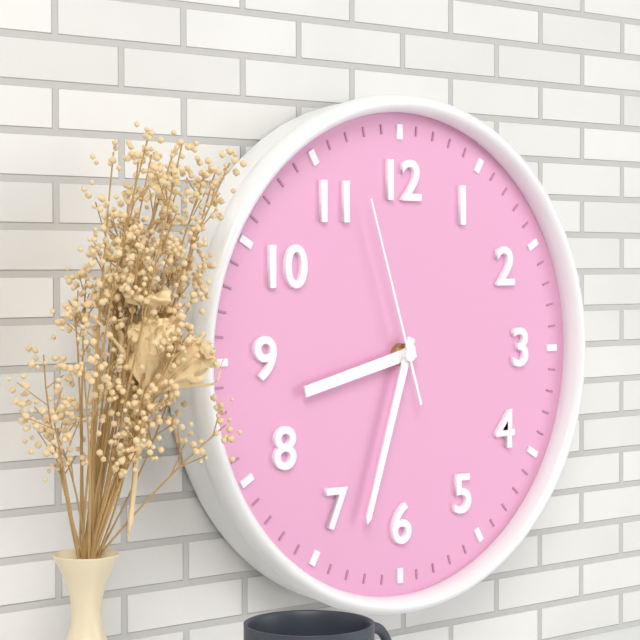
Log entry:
**8:33:57**
